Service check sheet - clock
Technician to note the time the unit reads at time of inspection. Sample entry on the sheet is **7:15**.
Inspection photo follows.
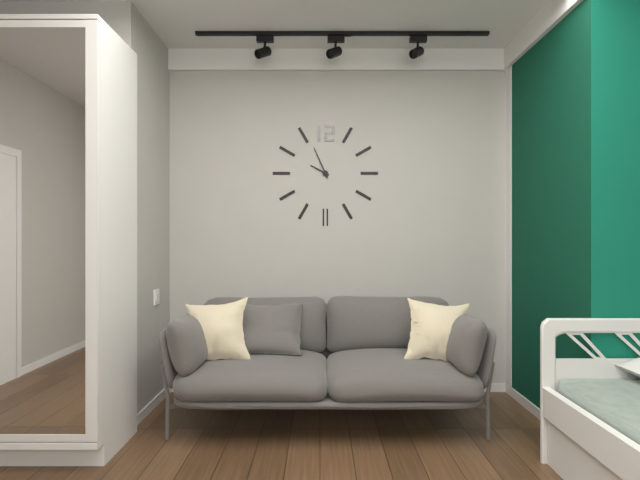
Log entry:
**9:56**
